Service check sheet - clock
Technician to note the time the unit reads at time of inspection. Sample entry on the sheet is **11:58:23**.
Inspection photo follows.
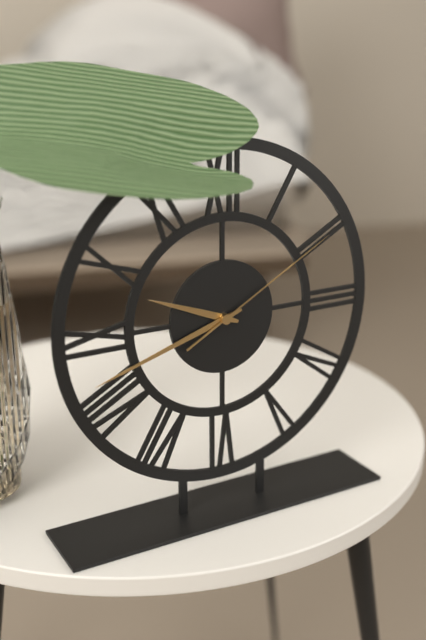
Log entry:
**9:42:10**
